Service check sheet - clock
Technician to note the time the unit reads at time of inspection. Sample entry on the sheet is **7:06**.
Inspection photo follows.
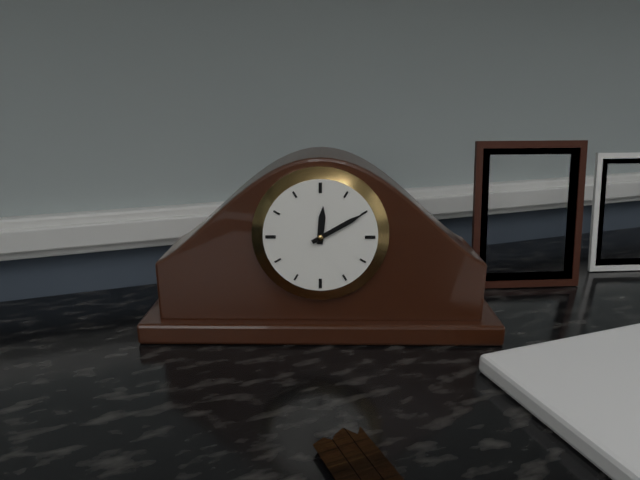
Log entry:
**12:10**
